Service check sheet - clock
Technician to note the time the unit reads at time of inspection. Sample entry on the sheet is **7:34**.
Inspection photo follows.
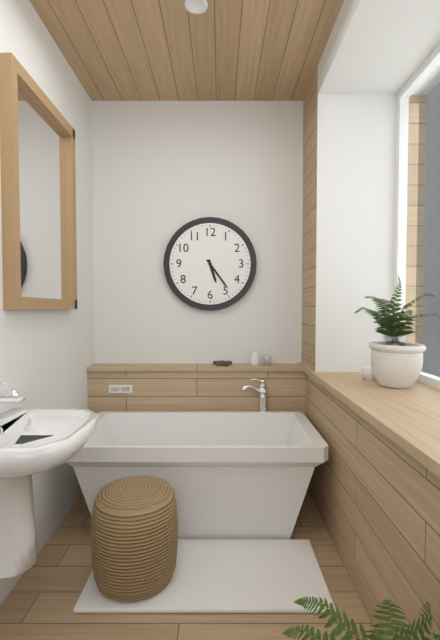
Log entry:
**5:24**
